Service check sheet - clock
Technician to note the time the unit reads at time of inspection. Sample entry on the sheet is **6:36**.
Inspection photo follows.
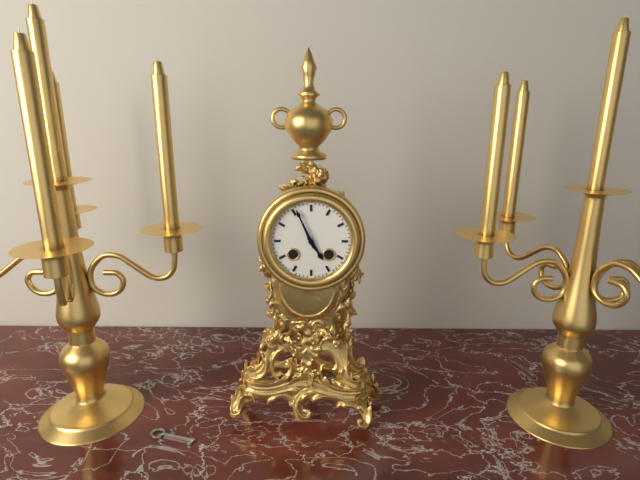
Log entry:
**4:56**
